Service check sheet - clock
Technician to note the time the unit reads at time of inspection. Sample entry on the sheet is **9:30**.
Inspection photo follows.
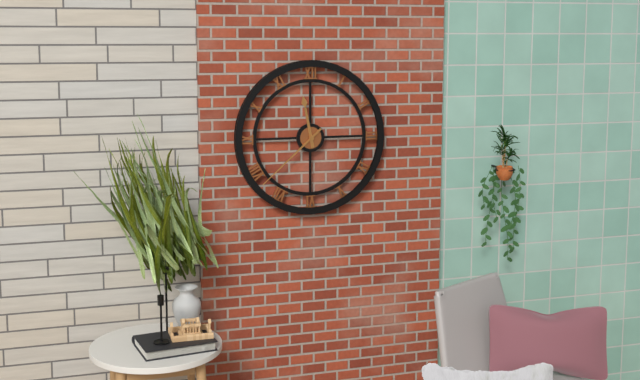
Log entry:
**11:38**
